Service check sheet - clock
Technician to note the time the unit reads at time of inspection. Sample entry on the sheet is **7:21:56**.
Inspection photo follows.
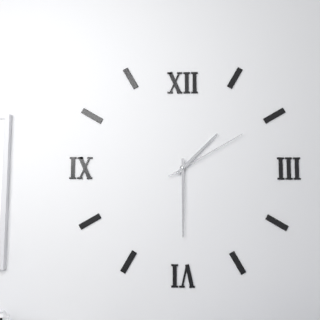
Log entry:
**1:30:10**
